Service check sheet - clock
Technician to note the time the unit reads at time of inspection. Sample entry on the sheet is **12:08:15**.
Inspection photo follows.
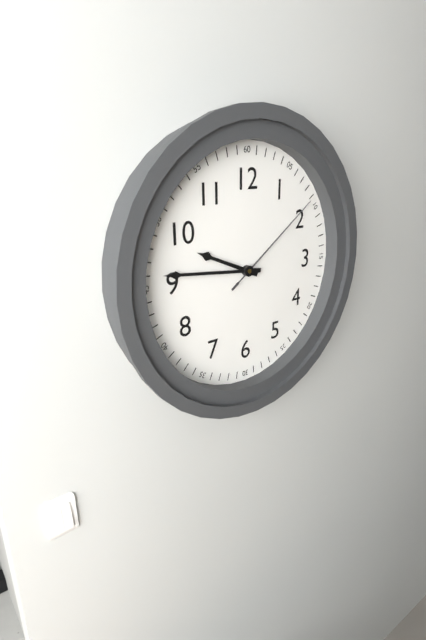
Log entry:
**9:46:09**
